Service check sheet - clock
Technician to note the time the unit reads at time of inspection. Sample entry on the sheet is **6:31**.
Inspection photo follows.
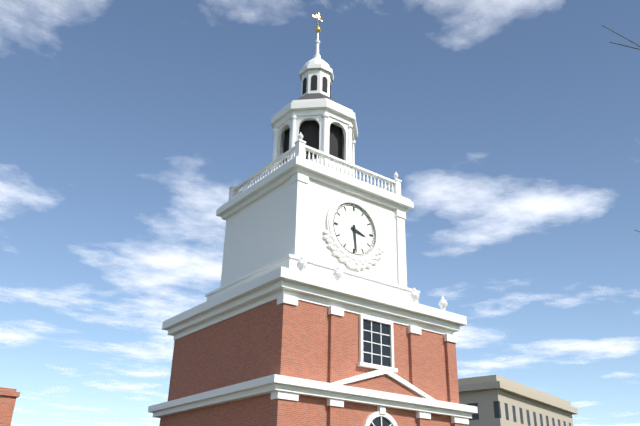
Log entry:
**3:29**
